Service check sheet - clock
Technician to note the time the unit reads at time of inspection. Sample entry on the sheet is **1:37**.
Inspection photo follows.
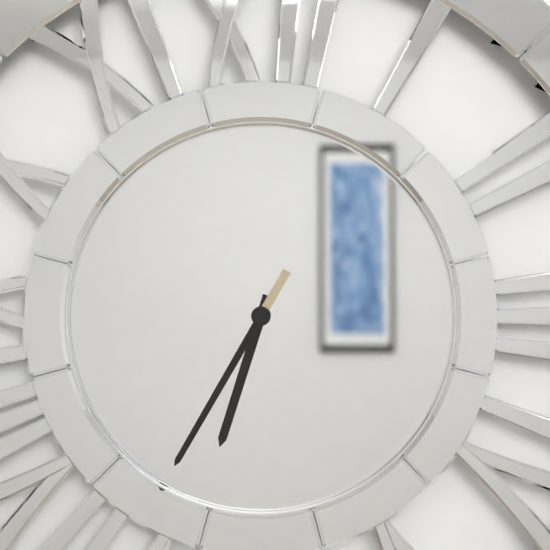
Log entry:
**6:35**
